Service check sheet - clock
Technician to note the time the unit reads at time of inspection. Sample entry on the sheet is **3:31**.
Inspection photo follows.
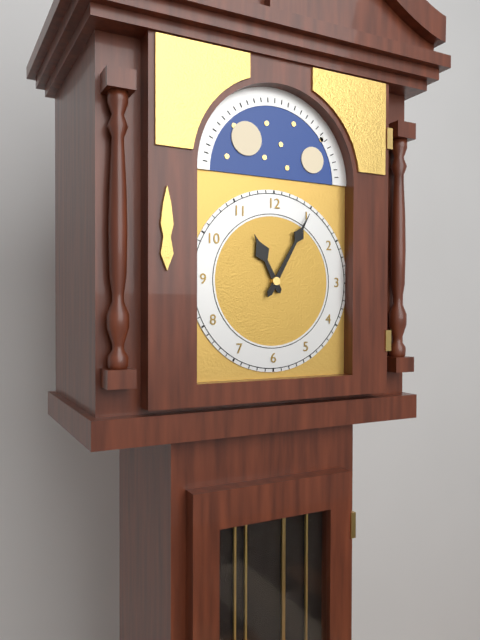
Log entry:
**11:05**
